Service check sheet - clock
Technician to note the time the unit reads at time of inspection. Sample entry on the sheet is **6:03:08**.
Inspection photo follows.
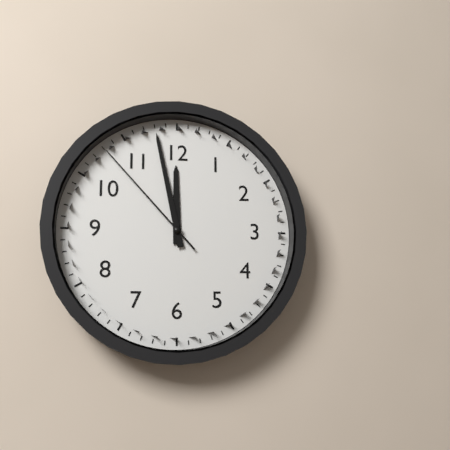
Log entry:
**11:58:53**
